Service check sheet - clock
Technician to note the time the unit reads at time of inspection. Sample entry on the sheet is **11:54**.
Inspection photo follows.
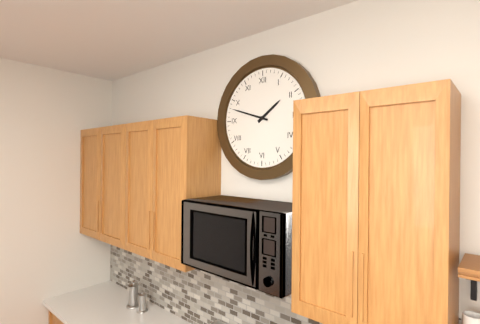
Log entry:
**1:48**
